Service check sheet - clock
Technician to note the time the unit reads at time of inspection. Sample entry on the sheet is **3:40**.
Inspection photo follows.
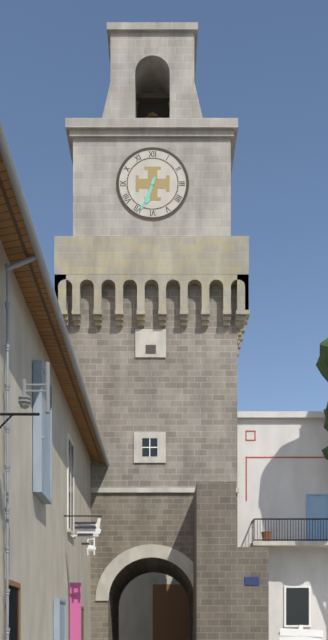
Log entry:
**6:34**
